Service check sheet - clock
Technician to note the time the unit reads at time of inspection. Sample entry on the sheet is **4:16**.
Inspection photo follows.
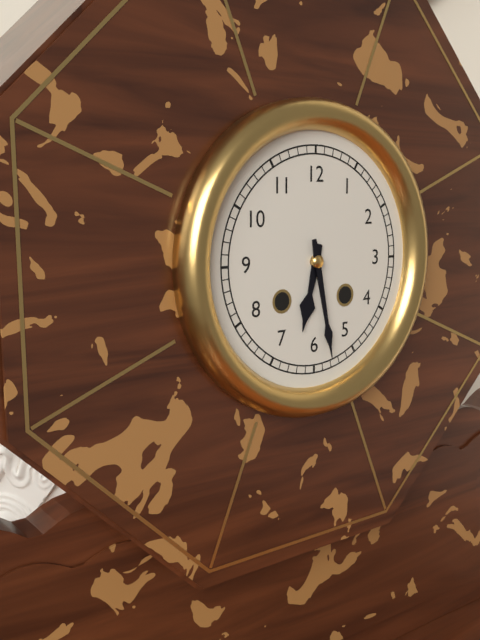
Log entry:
**6:28**
